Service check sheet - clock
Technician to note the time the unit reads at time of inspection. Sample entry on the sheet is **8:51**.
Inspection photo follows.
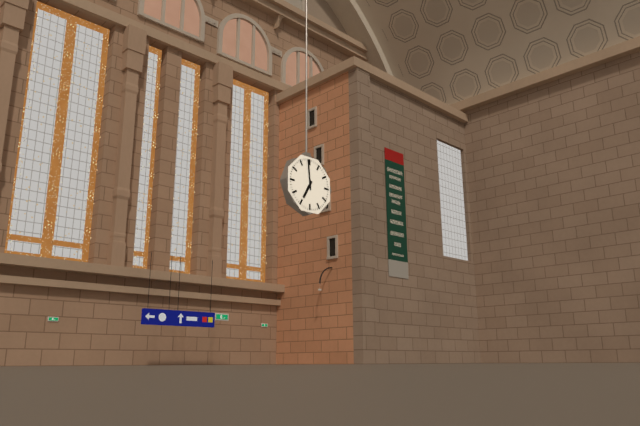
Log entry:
**6:59**
